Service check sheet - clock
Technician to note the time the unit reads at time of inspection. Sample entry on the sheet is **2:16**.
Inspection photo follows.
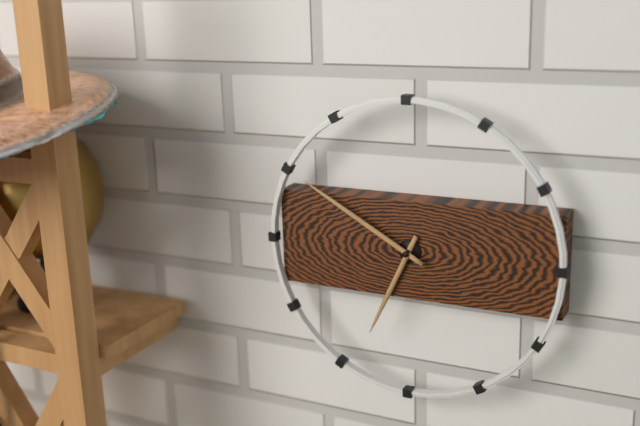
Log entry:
**6:50**
